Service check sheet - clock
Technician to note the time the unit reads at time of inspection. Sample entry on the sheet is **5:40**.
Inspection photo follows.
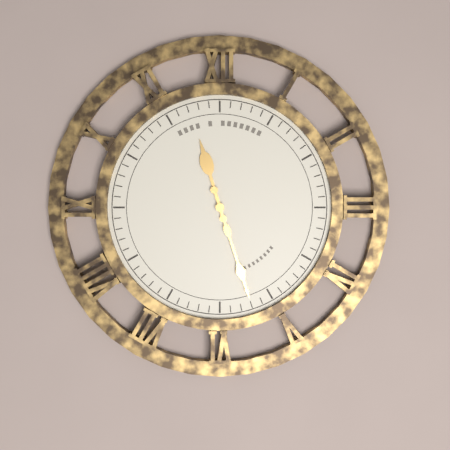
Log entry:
**11:27**
